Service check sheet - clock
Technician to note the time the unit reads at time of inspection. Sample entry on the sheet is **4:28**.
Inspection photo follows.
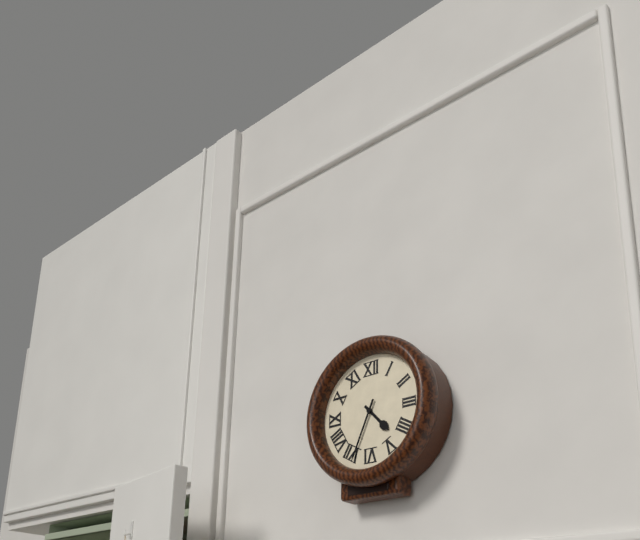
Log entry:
**4:34**
